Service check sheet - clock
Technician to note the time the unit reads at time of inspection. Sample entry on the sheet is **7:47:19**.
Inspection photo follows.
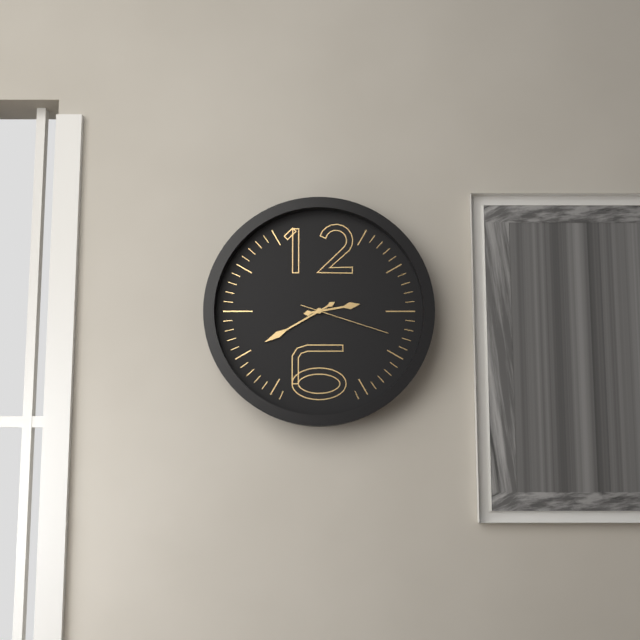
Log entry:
**2:40:18**
